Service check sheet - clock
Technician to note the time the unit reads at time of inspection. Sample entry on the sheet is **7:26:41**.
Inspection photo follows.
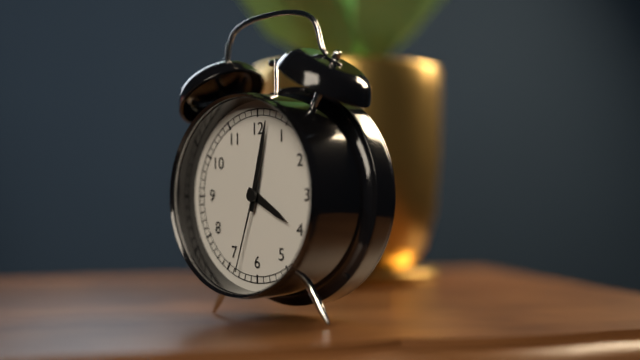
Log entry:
**4:02:33**
